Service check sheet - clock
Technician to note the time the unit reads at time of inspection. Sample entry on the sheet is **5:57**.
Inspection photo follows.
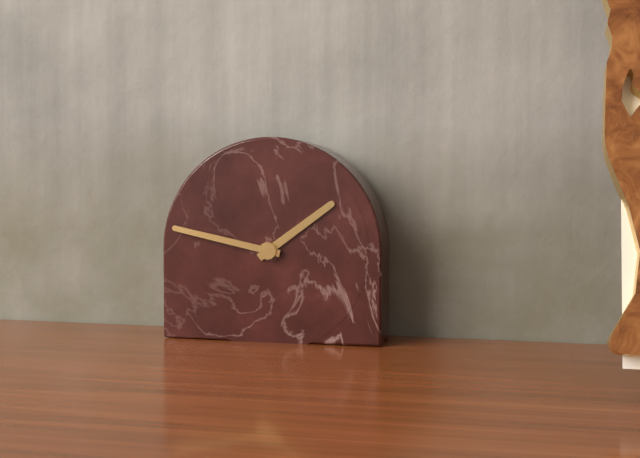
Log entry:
**1:47**
